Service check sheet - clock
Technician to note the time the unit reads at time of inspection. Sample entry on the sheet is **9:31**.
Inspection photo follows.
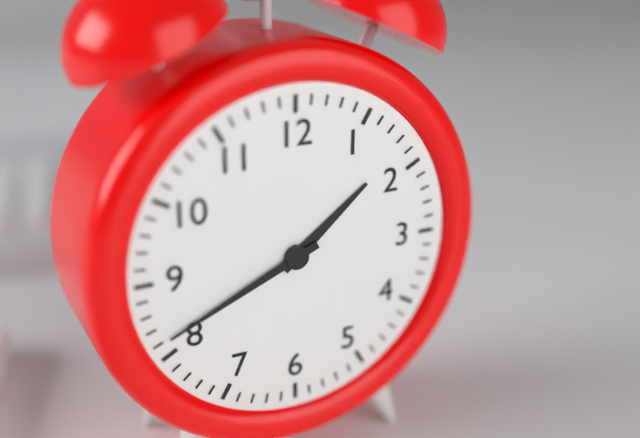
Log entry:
**1:41**
